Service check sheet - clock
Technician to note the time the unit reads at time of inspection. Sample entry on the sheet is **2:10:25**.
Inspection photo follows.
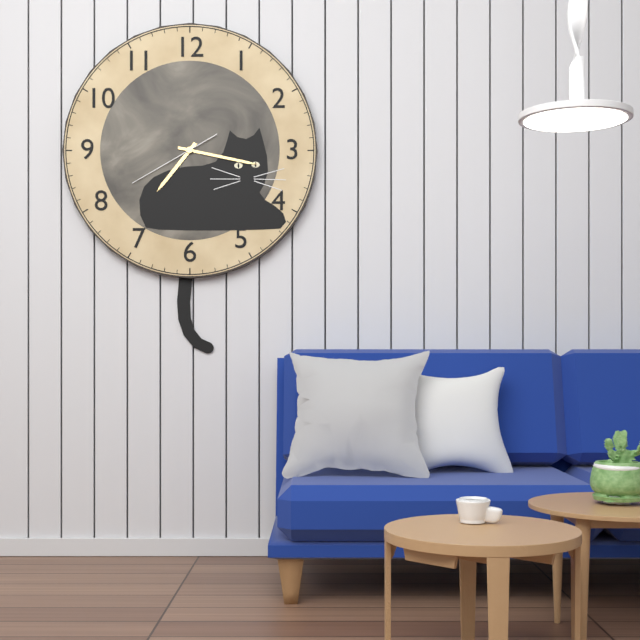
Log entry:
**7:17:40**
